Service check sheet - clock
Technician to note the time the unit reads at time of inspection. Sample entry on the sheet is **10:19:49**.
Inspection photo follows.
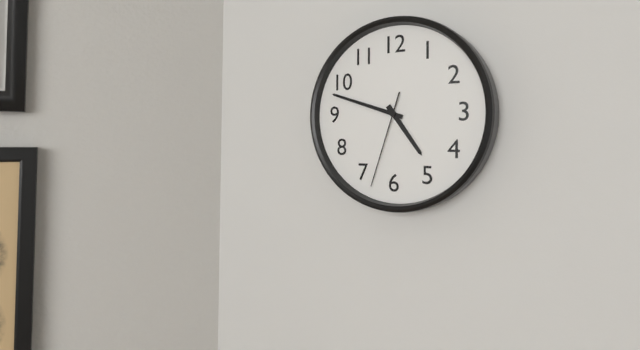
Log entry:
**4:48:33**
